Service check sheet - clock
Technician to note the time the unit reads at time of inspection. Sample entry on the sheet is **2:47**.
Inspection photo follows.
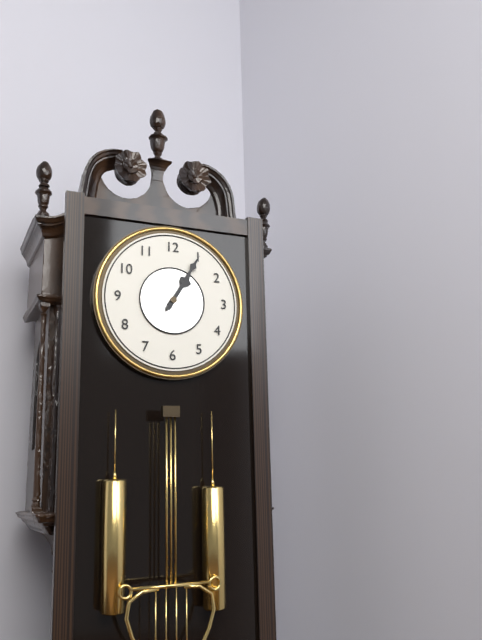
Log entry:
**1:05**
